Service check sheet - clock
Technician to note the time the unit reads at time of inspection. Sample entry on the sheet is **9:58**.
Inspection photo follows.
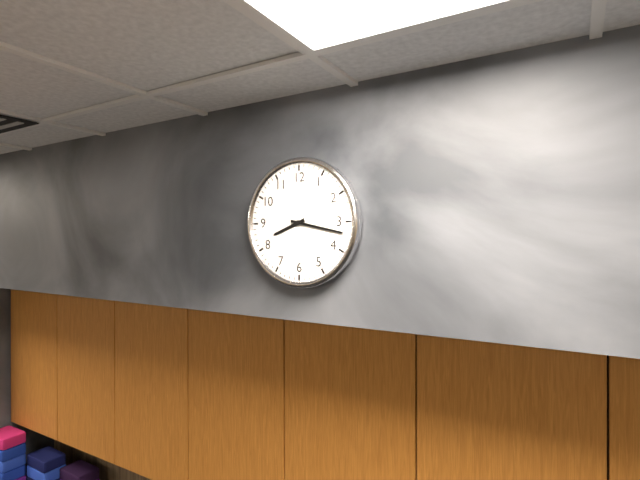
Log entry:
**8:17**
